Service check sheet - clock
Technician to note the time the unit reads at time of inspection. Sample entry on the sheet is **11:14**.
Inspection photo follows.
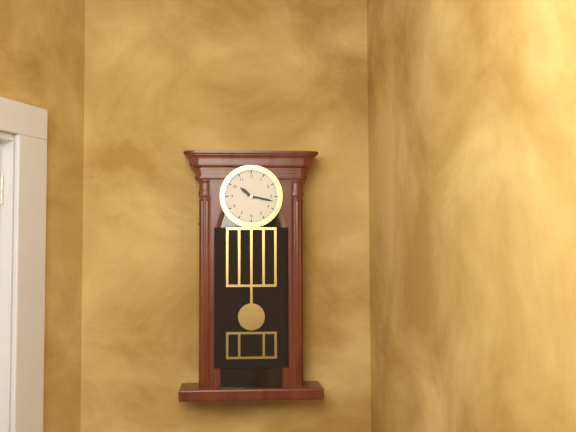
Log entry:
**10:17**
